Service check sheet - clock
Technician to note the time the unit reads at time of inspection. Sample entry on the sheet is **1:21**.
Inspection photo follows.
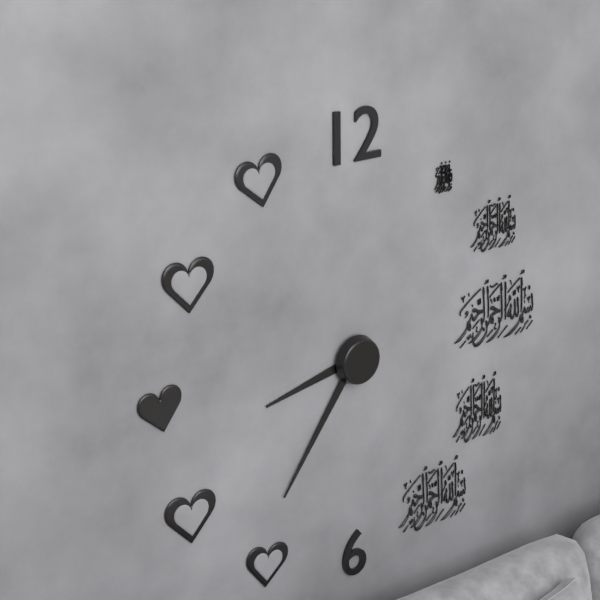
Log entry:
**8:36**
